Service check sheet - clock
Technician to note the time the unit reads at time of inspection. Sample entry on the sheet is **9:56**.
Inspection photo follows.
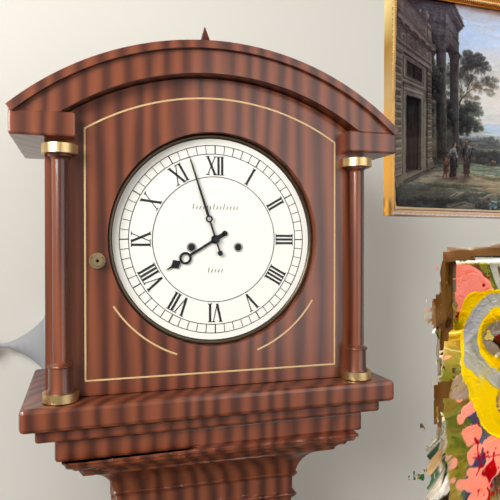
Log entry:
**7:57**
